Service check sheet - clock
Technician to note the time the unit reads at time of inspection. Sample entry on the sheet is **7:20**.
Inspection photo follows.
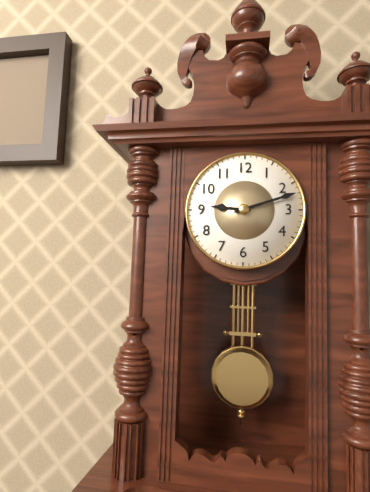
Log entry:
**9:12**
